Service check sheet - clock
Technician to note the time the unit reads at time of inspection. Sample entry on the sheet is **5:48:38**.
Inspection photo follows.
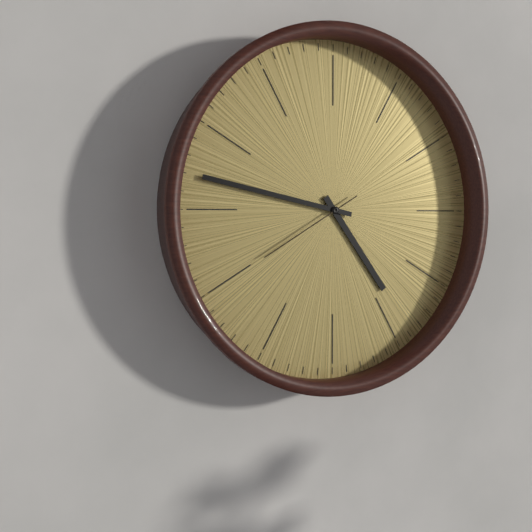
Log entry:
**4:47:40**
